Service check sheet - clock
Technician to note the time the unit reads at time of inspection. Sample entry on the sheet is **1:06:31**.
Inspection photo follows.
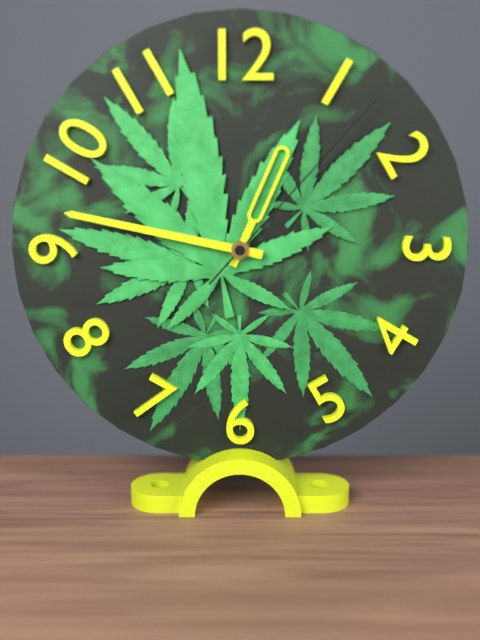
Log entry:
**12:47:07**
